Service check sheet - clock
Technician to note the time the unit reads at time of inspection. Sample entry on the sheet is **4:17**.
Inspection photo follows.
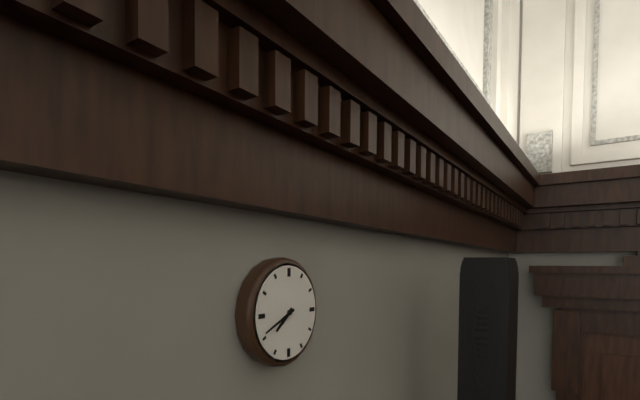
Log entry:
**7:41**
